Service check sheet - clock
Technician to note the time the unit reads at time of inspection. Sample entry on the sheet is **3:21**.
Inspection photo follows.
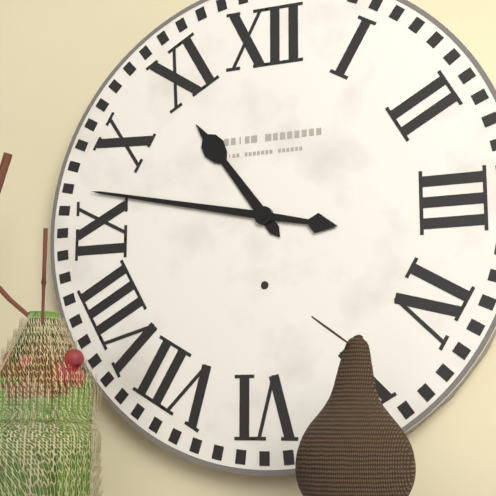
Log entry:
**10:47**
